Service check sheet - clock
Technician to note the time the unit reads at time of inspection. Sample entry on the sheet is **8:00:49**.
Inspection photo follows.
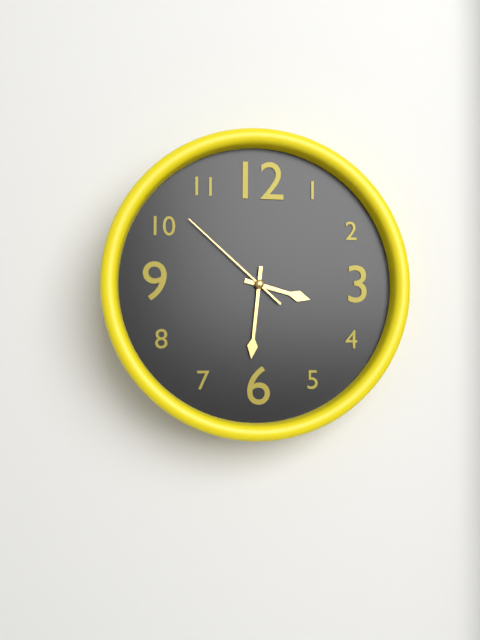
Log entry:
**3:31:52**
